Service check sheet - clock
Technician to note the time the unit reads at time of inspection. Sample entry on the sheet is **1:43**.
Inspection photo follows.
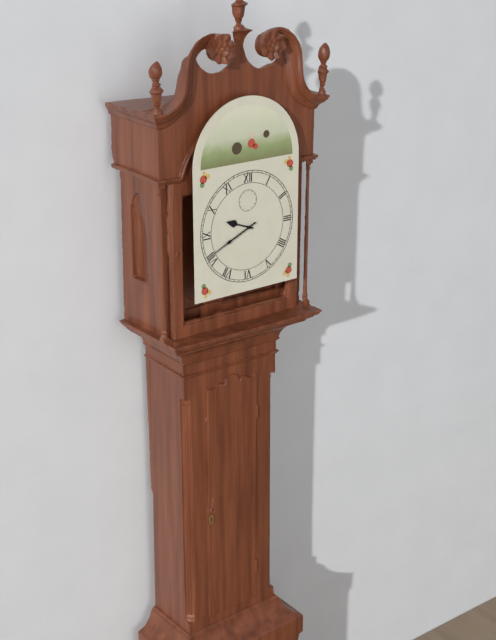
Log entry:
**9:41**
